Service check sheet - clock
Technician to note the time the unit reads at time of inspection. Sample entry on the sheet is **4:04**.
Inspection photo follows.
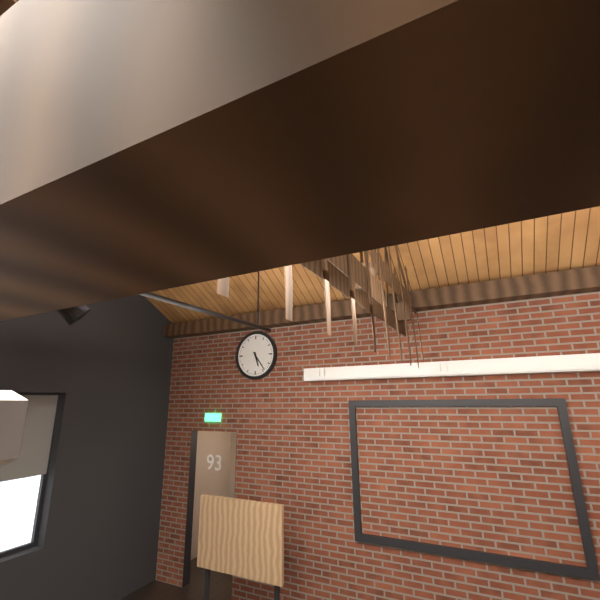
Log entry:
**5:24**
